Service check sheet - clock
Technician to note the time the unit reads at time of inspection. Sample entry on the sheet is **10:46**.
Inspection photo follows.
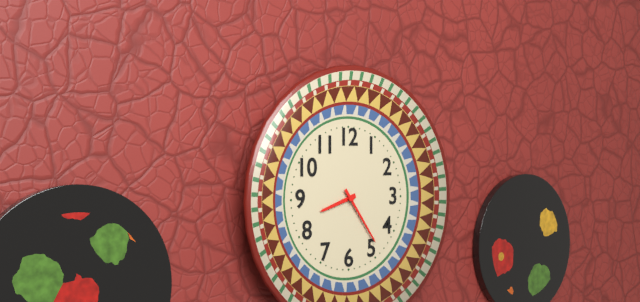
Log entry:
**8:24**
